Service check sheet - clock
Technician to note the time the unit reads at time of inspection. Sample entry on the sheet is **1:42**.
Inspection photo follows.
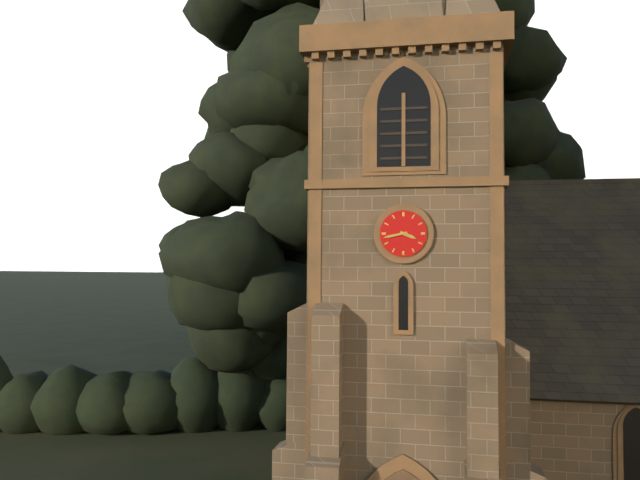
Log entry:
**3:43**
